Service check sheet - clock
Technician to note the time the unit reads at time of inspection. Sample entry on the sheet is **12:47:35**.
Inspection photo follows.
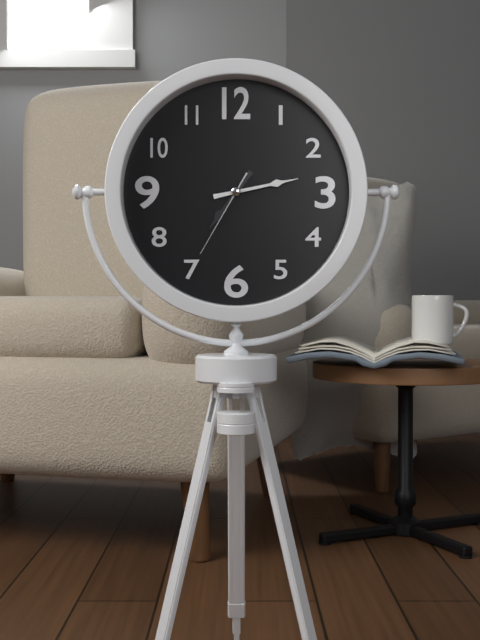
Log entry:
**7:13:35**
